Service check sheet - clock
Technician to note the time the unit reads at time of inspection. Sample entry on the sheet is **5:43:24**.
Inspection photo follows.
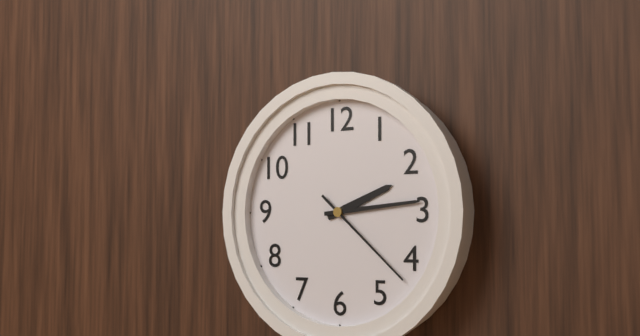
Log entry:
**2:14:22**
